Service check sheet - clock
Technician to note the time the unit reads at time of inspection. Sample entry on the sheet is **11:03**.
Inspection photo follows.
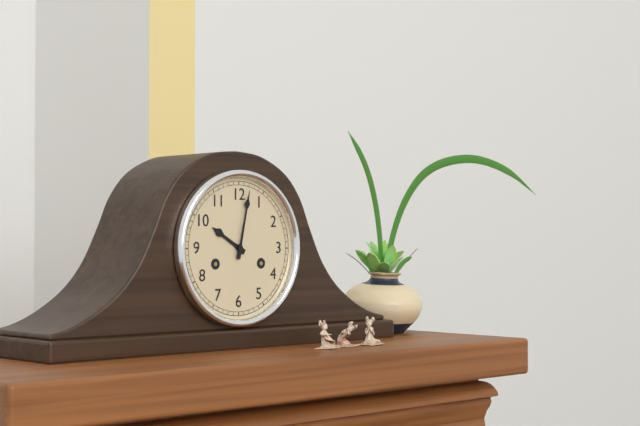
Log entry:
**10:02**
